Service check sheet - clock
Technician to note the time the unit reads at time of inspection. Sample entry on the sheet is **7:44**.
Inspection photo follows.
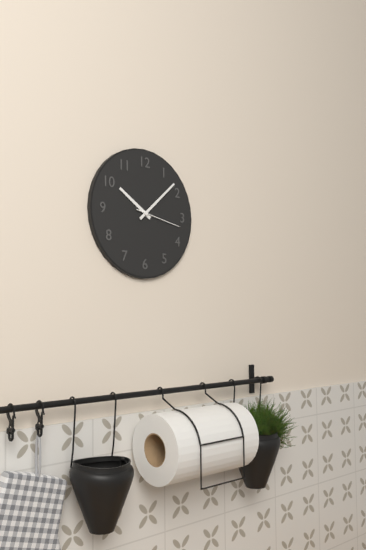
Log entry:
**10:08**
